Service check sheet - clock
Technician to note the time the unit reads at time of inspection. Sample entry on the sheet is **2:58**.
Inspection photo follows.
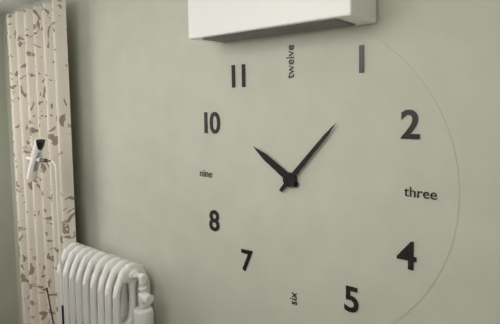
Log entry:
**10:07**
